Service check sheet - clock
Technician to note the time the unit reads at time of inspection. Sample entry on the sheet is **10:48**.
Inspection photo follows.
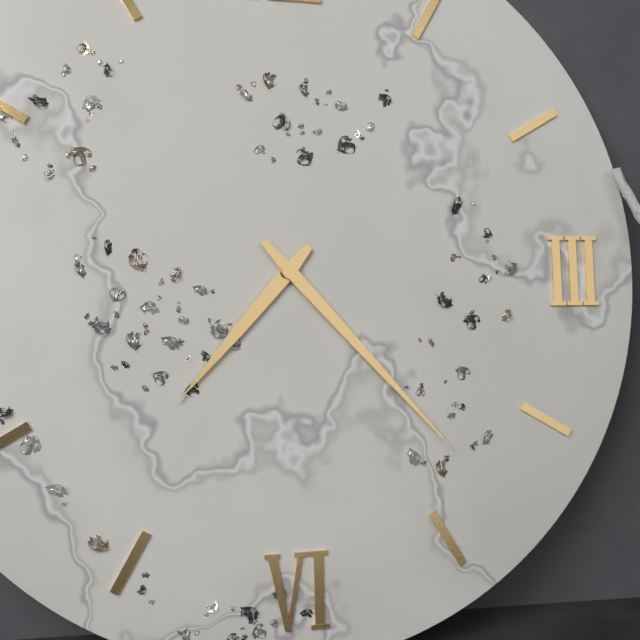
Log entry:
**7:23**
